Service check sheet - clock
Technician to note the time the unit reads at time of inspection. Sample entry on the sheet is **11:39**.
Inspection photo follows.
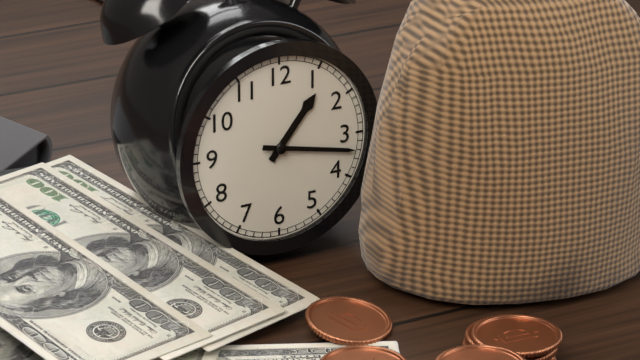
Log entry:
**1:17**
